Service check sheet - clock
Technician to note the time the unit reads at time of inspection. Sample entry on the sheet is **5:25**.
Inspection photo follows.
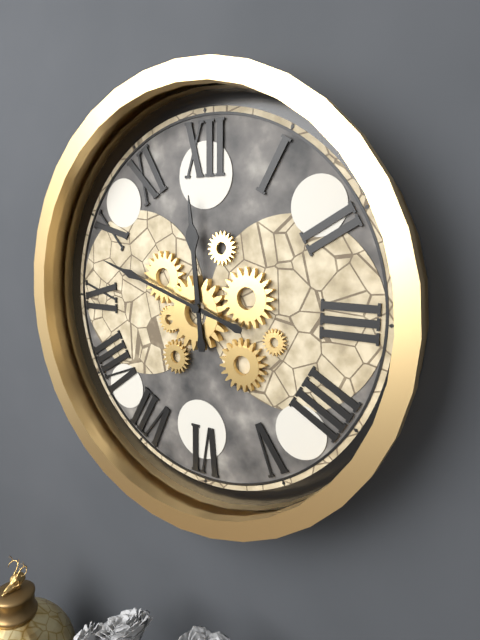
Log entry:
**11:48**
